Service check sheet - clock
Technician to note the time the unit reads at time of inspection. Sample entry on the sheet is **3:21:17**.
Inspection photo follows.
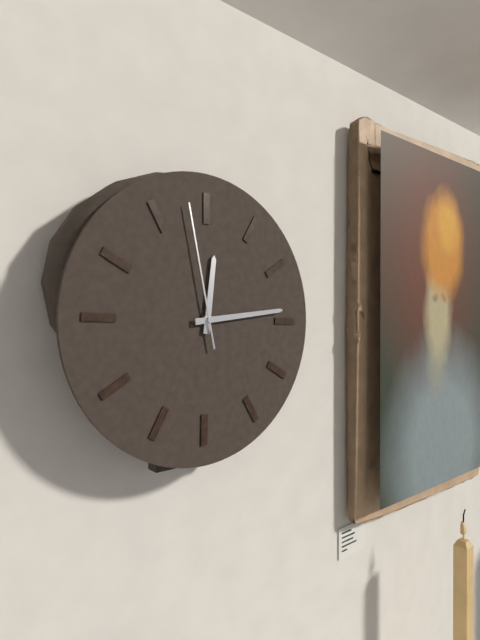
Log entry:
**12:14:58**
